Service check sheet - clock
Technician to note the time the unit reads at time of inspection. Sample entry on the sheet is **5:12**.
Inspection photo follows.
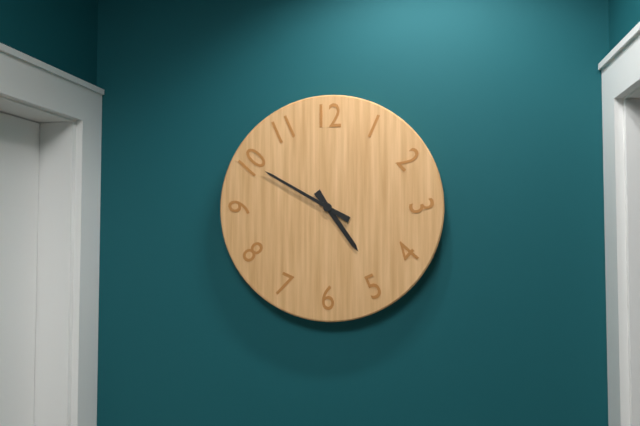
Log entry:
**4:50**
